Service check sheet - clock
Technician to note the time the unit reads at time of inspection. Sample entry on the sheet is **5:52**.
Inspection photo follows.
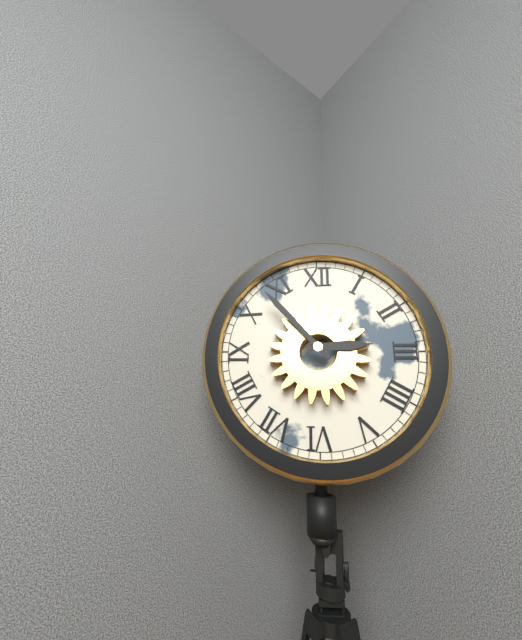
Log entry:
**2:53**
